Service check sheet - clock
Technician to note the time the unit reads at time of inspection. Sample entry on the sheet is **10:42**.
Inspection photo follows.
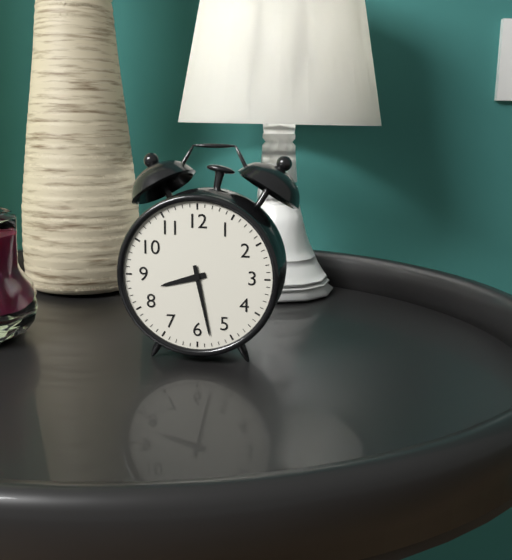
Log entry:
**8:28**
